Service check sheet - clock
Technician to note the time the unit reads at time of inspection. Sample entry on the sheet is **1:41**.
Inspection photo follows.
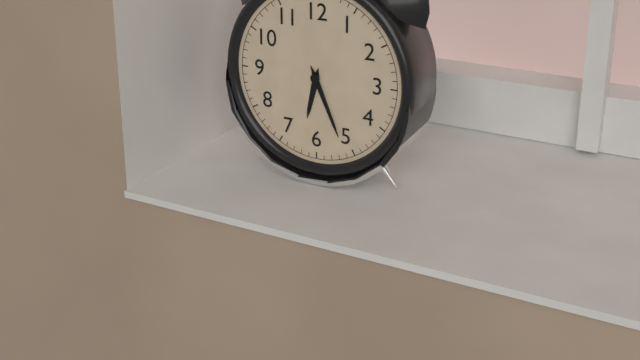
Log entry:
**6:26**
